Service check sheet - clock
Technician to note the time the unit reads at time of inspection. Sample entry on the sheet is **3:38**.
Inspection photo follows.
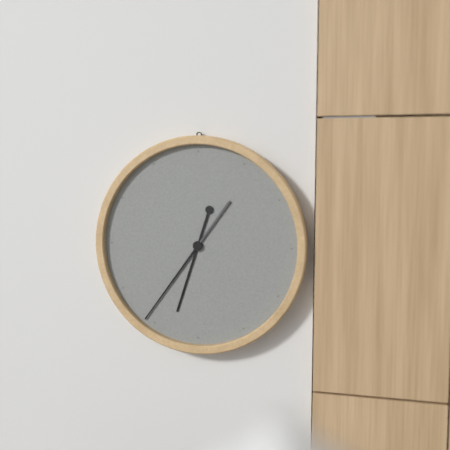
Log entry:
**6:36**
